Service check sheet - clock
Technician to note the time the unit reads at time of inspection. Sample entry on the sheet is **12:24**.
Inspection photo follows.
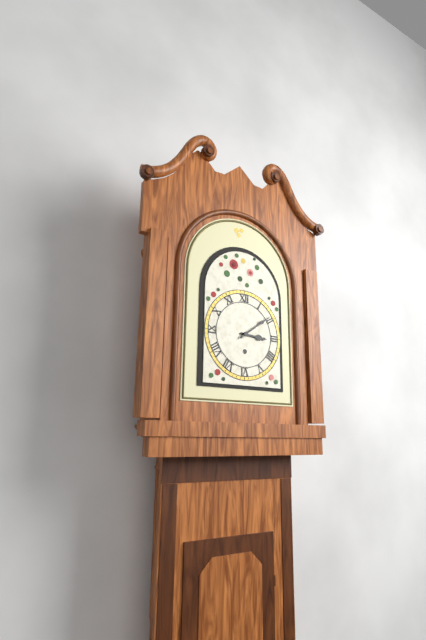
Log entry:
**3:09**
